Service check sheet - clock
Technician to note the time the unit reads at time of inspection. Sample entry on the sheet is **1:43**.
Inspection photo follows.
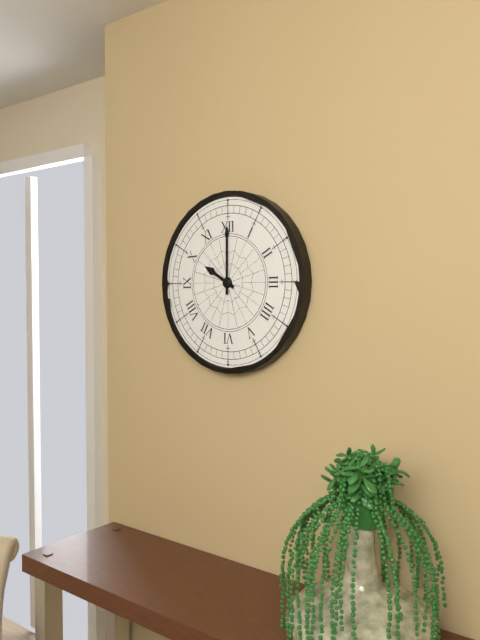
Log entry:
**10:00**
